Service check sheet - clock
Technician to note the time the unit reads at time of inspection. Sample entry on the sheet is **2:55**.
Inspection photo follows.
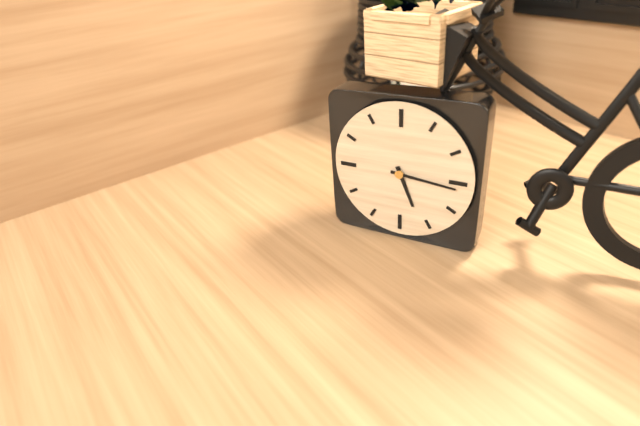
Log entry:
**5:16**
